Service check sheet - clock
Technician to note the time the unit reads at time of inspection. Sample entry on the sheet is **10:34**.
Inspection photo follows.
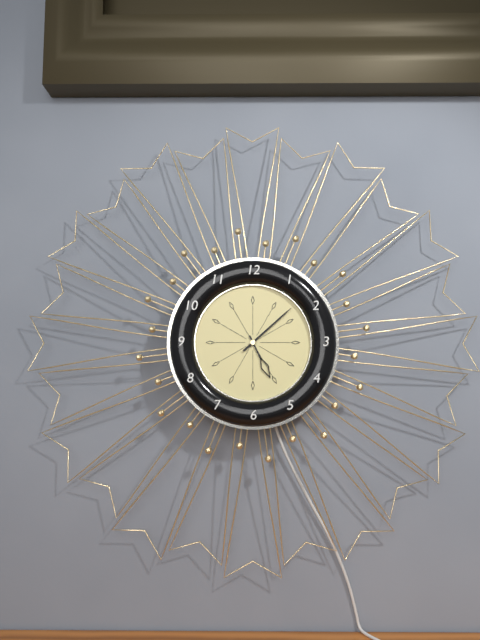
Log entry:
**5:08**
